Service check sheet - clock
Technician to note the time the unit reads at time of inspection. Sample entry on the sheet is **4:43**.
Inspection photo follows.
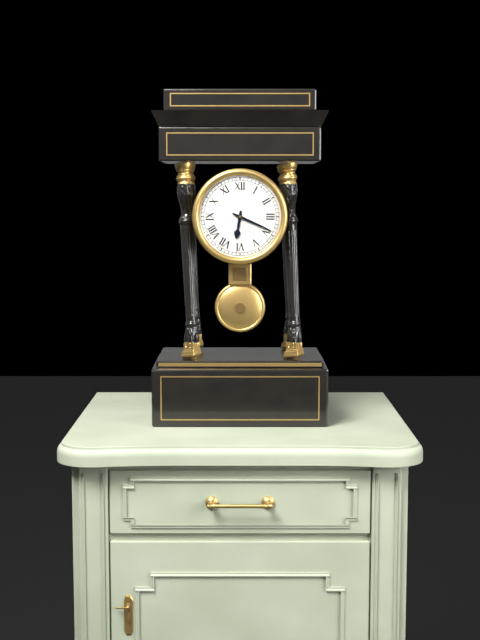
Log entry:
**6:19**
